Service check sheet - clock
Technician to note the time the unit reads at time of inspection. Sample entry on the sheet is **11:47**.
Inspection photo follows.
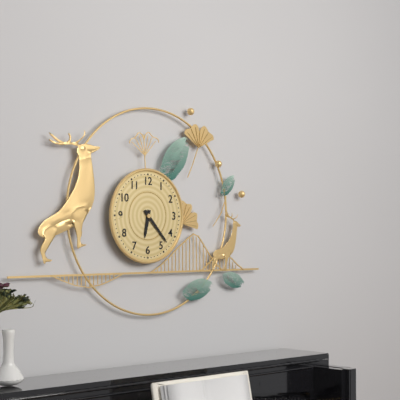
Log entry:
**6:23**
